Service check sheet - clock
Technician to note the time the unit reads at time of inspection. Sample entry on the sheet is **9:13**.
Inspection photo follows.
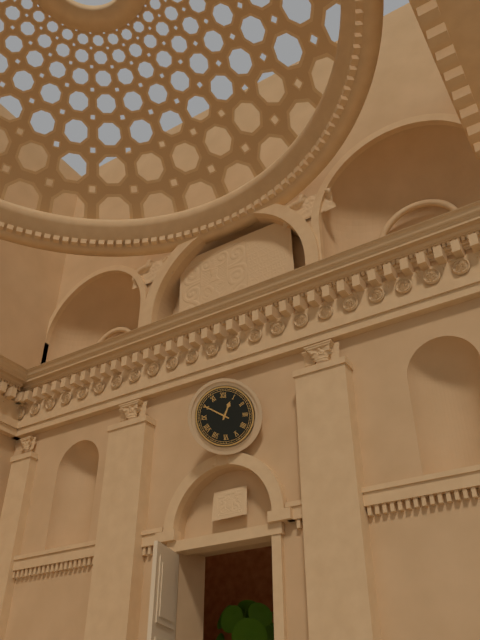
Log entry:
**12:50**
